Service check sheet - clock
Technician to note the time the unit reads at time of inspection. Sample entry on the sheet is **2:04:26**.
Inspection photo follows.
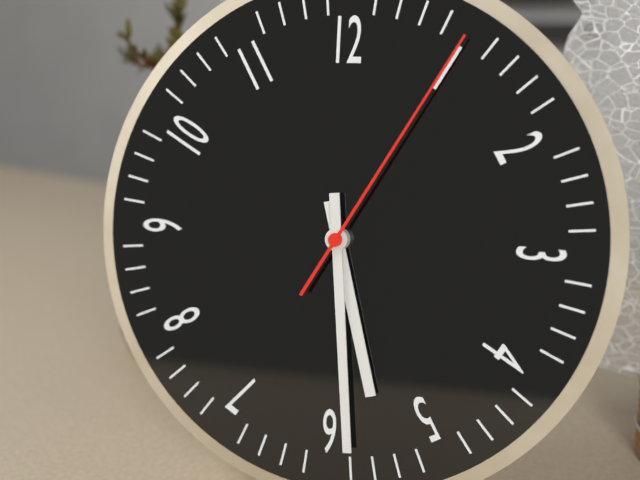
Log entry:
**5:29:05**
